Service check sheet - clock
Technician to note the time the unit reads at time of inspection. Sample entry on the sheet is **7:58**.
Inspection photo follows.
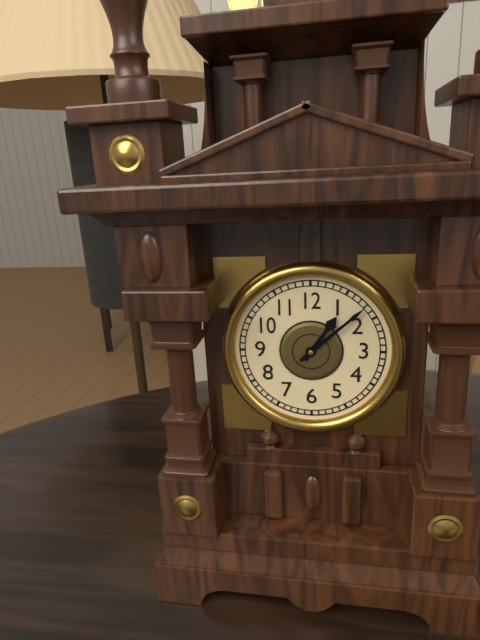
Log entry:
**1:08**
